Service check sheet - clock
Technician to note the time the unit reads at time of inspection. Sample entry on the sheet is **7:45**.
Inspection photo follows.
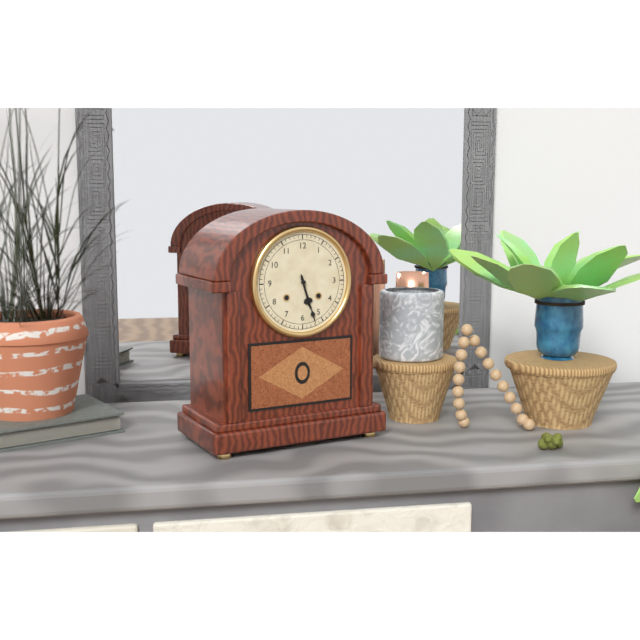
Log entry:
**5:27**
